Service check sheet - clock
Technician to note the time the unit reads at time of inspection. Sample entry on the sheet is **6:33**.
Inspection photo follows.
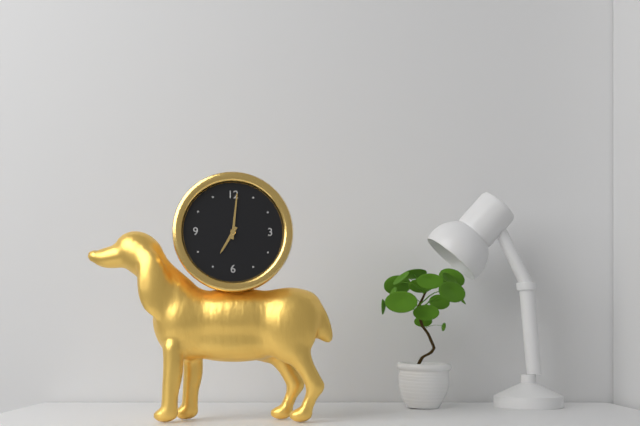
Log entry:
**7:01**
